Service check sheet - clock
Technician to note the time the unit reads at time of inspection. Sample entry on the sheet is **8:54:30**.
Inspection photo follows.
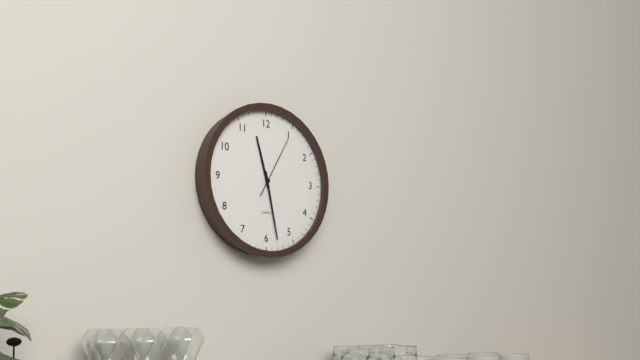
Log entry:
**11:28:05**
